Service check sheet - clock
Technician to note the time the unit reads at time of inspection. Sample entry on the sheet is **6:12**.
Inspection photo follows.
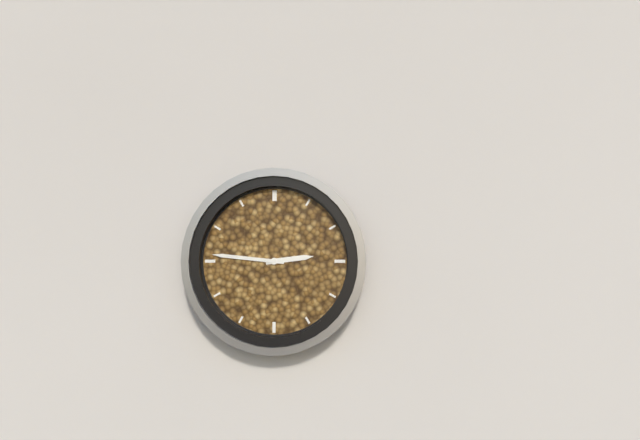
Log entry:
**2:46**
